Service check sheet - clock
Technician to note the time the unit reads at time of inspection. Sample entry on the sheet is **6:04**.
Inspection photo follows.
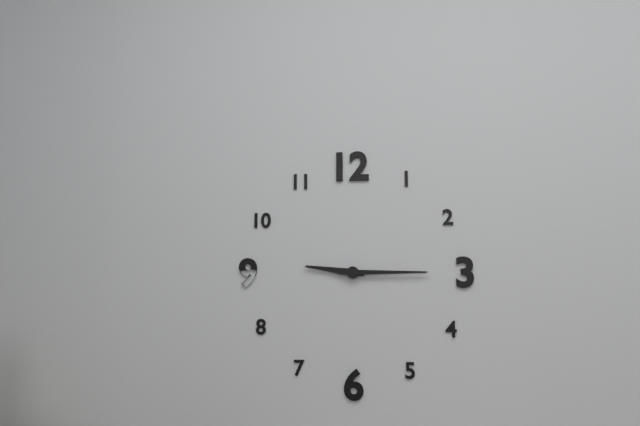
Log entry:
**9:15**
